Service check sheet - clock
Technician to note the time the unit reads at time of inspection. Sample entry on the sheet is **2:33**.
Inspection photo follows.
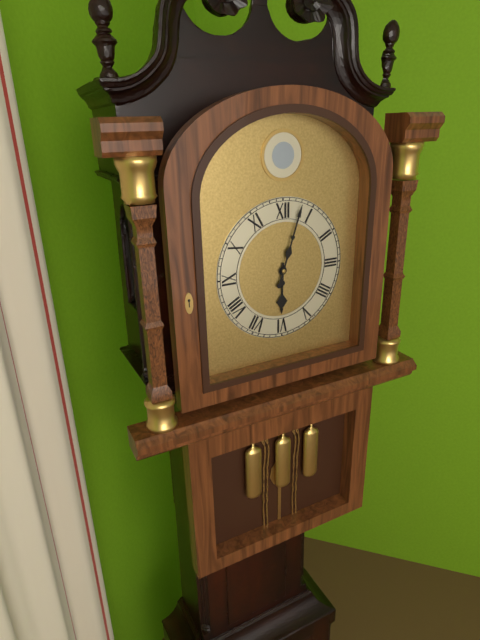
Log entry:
**6:03**
